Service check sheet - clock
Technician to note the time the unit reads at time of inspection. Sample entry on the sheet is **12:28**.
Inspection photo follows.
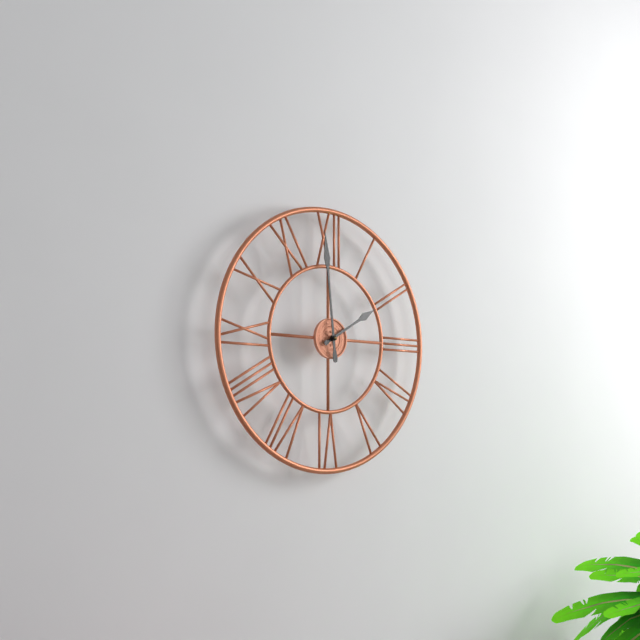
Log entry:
**1:59**
